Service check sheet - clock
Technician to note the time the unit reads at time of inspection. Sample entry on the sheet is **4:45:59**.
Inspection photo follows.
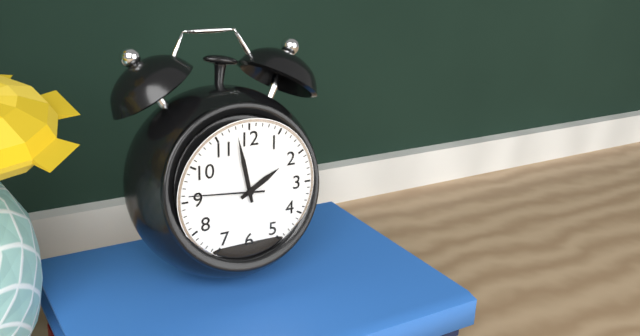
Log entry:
**1:58:46**
